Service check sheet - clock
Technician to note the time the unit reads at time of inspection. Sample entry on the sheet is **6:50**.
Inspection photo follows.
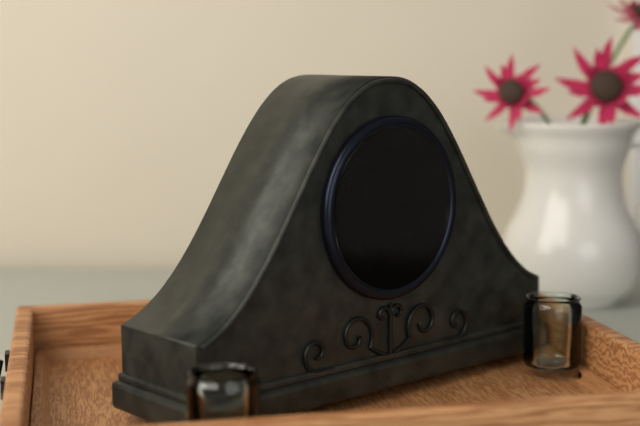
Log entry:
**3:09**
